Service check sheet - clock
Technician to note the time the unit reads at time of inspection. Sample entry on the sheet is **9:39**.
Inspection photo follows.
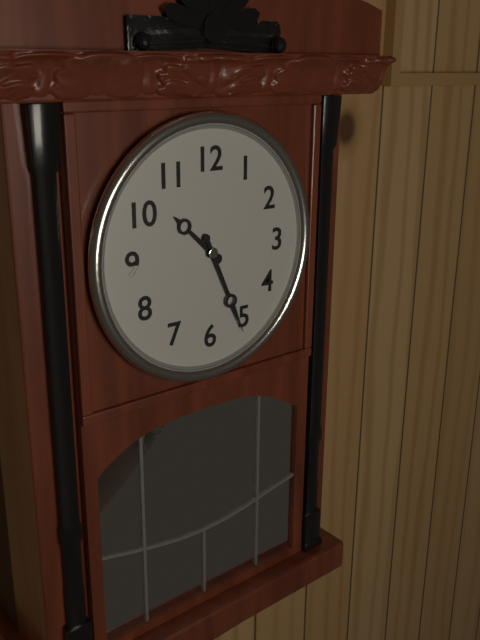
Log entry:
**10:26**
